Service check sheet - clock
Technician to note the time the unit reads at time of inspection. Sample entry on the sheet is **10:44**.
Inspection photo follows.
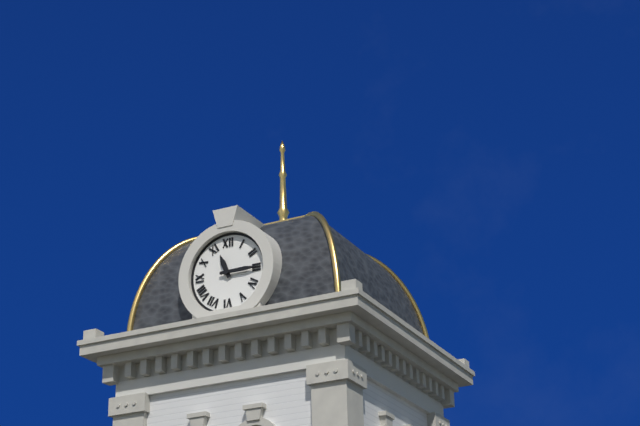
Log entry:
**11:15**
